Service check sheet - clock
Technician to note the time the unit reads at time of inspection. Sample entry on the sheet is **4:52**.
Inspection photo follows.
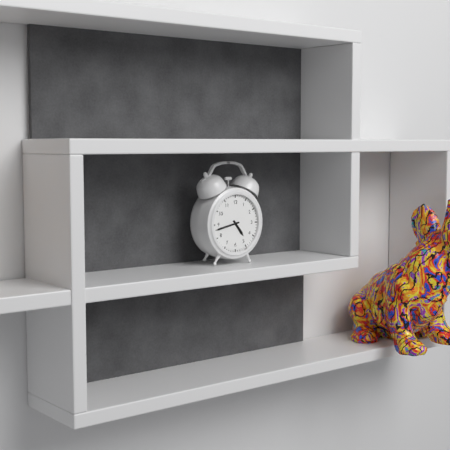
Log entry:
**4:43**
